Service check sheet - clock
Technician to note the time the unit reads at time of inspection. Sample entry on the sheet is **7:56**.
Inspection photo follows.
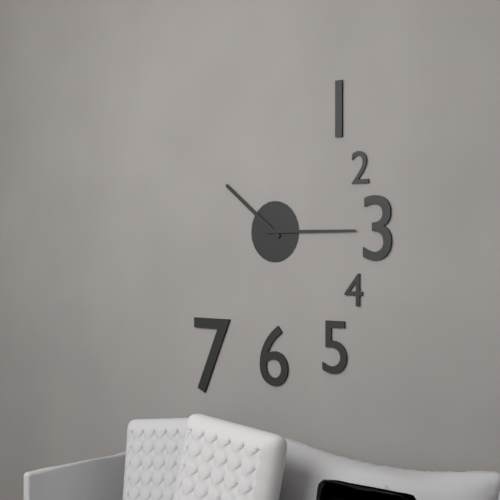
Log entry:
**10:15**
